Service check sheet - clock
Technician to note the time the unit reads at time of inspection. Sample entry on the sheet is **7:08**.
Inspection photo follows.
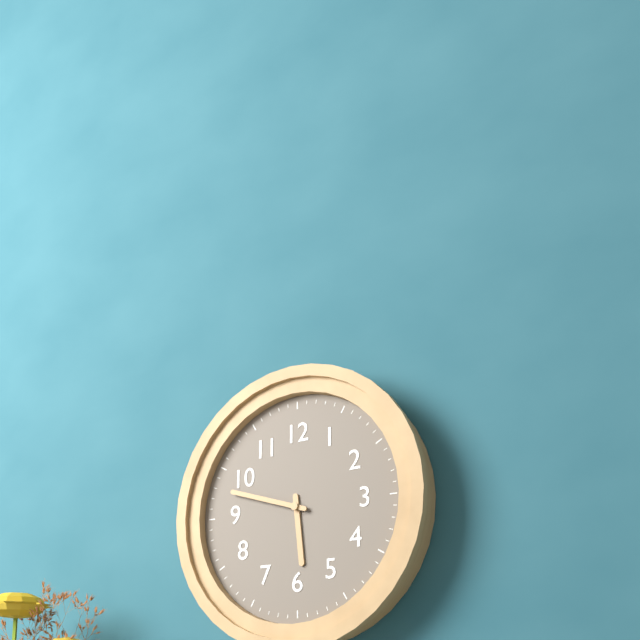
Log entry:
**5:48**
